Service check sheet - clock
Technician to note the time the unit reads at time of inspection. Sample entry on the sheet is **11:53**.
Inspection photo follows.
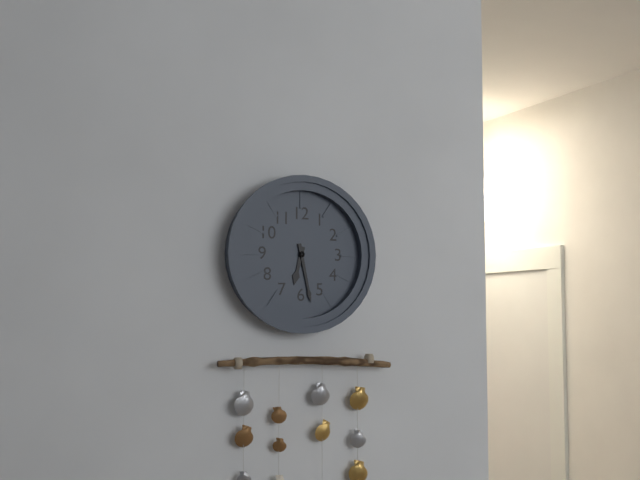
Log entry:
**6:28**
